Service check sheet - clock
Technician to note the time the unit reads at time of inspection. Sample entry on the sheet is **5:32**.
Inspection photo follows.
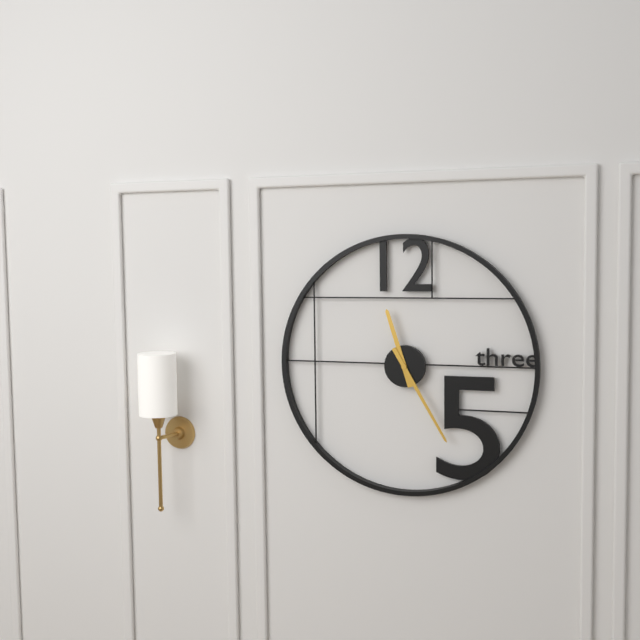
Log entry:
**11:25**
